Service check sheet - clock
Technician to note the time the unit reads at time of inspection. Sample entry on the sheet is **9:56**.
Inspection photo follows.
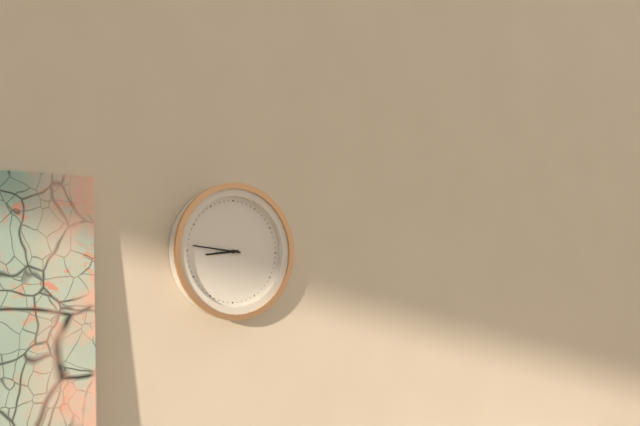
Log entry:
**8:46**
